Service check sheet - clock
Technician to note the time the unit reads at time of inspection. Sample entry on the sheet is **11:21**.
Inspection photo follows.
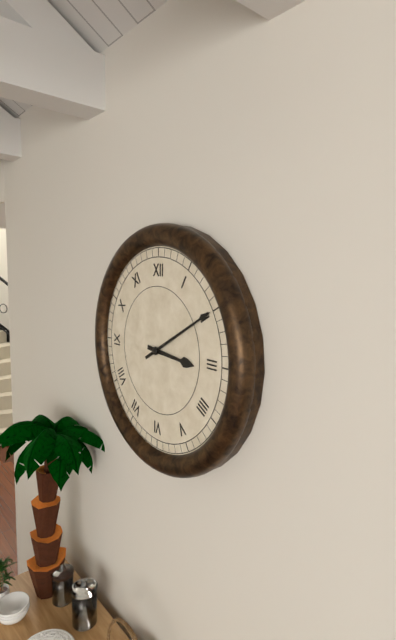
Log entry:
**3:10**
